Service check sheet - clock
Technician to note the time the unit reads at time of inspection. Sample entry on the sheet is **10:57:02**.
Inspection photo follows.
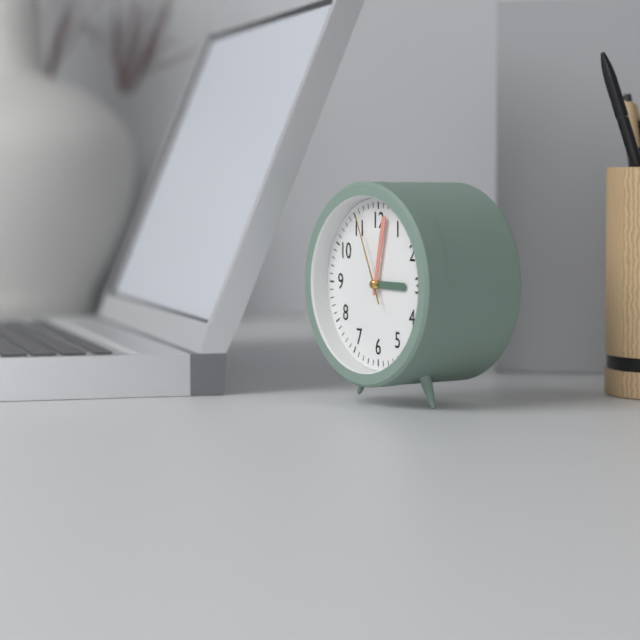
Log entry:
**3:02:56**
